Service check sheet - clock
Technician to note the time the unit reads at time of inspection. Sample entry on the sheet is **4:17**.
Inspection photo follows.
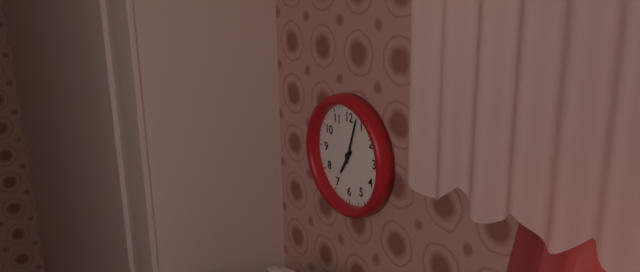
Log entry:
**7:03**
